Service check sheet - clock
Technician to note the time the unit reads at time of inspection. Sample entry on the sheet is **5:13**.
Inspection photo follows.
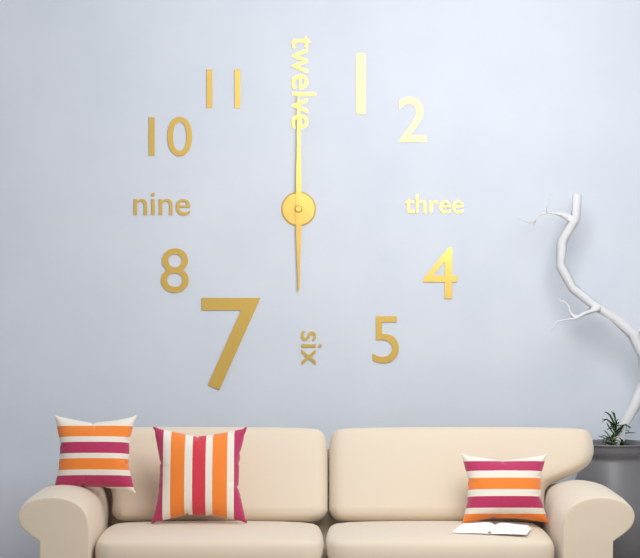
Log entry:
**6:00**
